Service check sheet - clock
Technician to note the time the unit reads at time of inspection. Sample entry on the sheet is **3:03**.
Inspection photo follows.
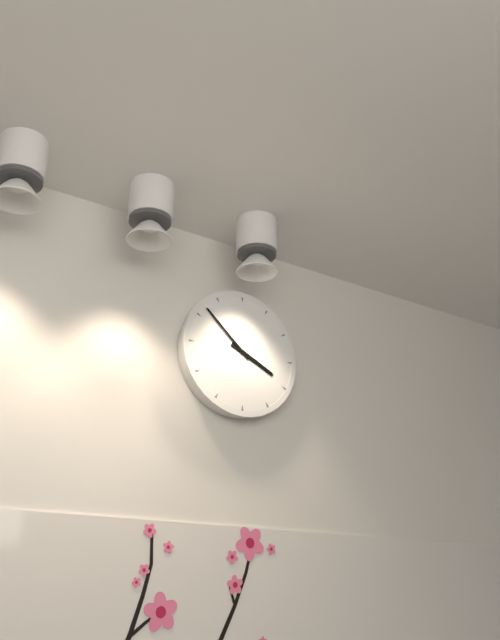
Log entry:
**3:52**
